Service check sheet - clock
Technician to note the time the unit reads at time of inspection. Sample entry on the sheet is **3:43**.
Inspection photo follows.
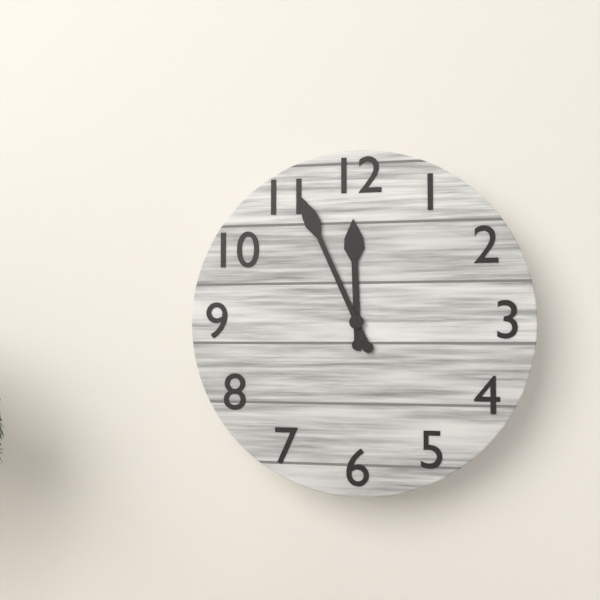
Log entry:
**11:56**
